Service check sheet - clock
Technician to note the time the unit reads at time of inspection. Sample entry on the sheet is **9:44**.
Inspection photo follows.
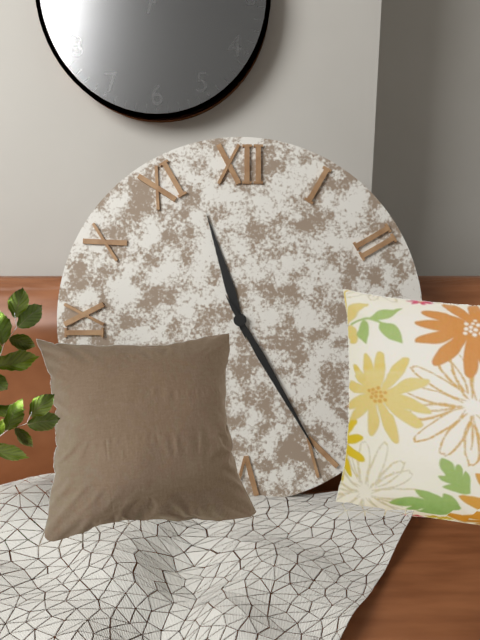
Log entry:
**11:25**
